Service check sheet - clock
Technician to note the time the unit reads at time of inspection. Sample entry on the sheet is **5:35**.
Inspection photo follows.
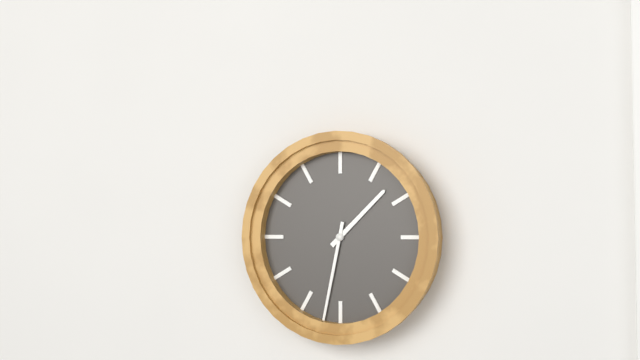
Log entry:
**1:32**
